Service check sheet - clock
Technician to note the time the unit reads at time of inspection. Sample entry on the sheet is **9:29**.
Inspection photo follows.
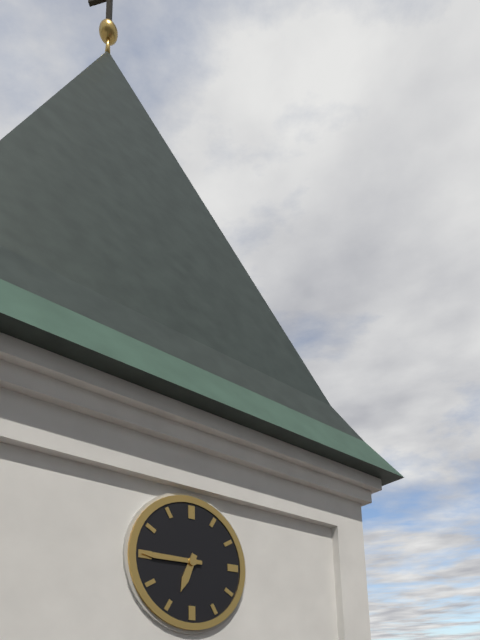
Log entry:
**6:45**
